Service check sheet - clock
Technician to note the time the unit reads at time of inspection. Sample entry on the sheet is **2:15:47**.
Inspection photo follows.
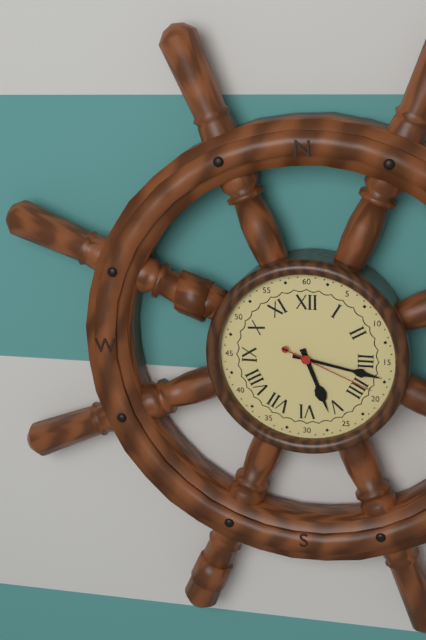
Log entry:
**5:17:19**
